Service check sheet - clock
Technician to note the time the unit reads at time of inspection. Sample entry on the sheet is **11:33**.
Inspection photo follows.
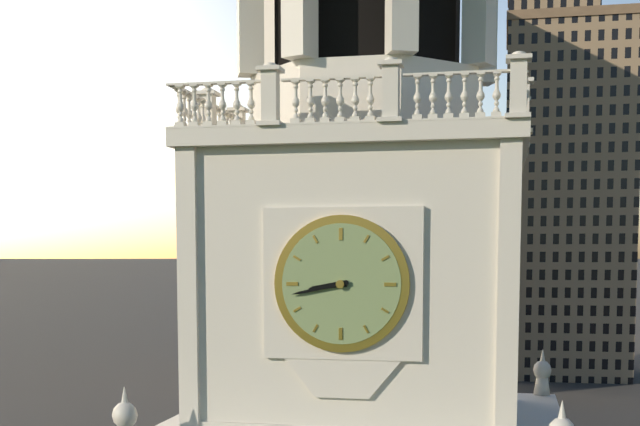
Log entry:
**8:43**
